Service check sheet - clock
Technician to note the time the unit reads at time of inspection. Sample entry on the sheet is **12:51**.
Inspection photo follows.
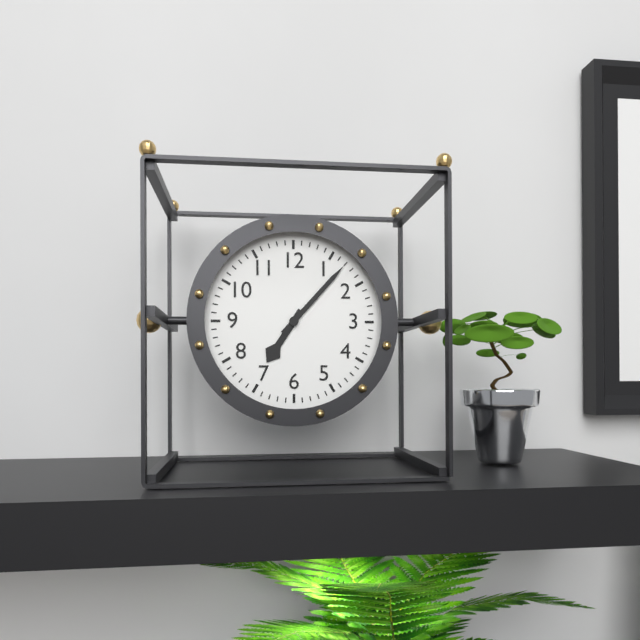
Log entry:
**7:07**
